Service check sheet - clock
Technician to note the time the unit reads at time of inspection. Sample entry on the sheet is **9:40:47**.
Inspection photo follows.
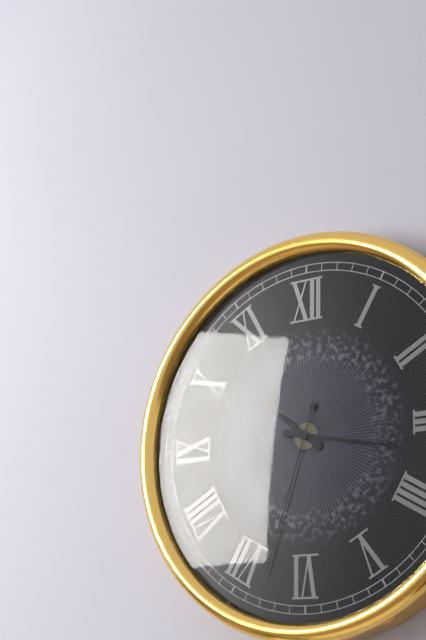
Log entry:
**10:17:33**
